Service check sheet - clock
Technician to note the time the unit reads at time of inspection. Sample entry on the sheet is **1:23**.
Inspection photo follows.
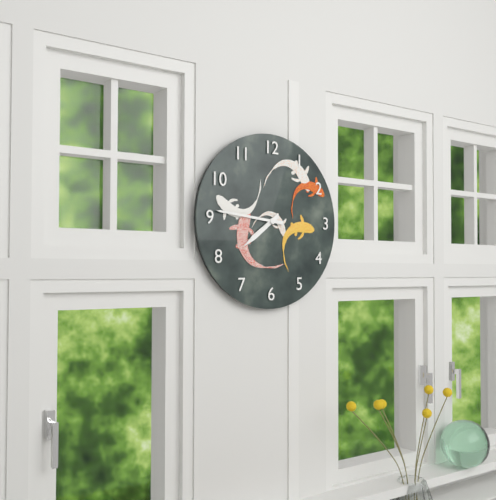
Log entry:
**7:46**
